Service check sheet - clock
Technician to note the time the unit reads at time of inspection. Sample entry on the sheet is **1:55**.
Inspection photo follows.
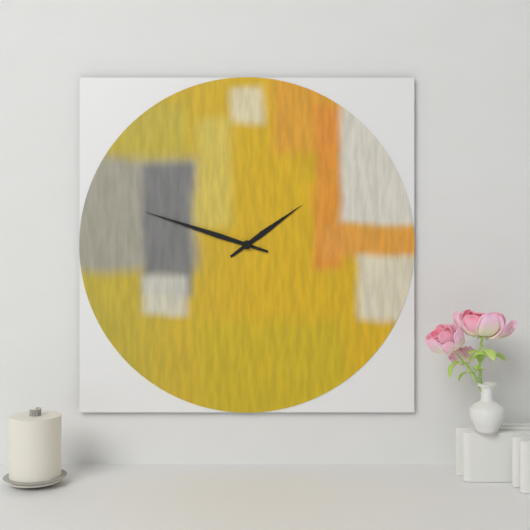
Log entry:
**1:48**
